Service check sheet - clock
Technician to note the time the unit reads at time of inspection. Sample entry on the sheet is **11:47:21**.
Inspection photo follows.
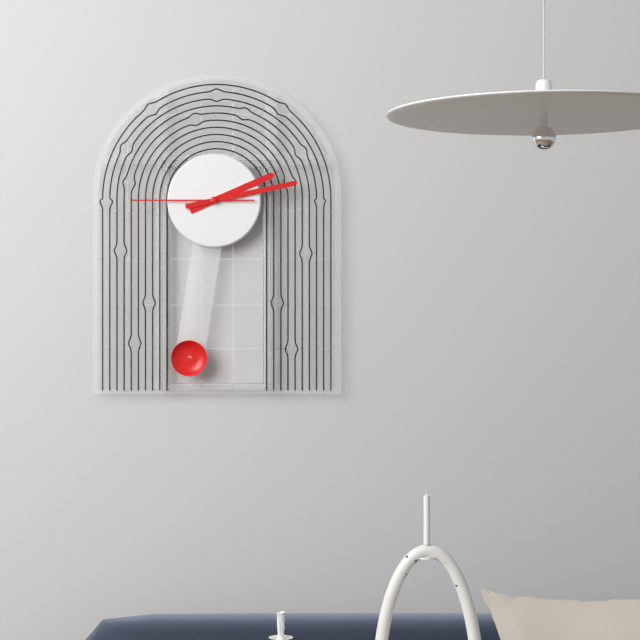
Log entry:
**2:13:45**
